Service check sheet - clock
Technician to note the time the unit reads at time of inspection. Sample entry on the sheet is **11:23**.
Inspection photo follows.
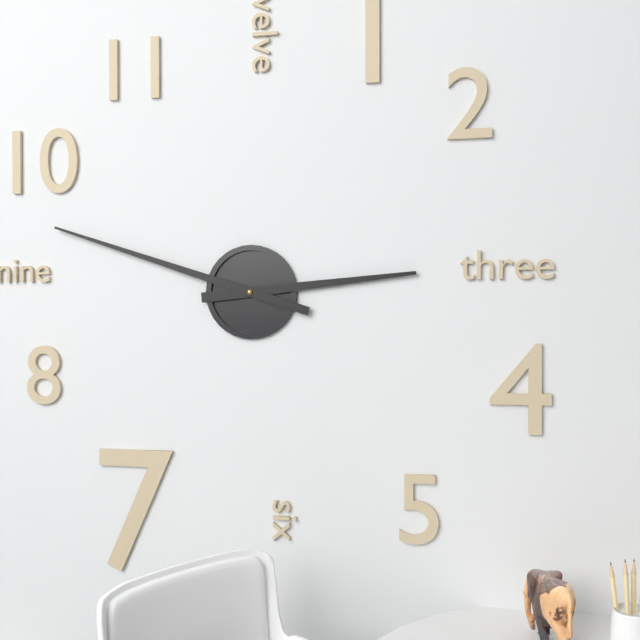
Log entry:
**2:48**
